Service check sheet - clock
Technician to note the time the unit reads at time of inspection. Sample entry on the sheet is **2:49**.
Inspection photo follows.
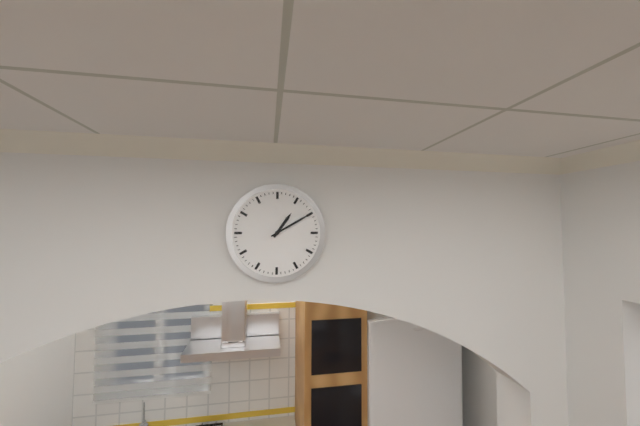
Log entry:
**1:10**
